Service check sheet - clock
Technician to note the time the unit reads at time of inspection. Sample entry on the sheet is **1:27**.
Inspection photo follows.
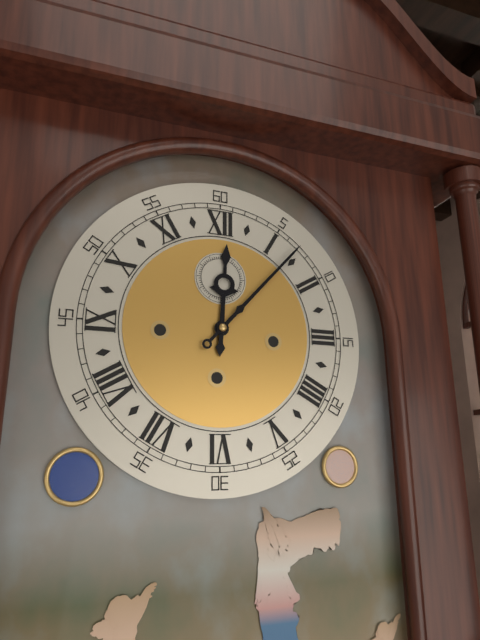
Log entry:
**12:07**
